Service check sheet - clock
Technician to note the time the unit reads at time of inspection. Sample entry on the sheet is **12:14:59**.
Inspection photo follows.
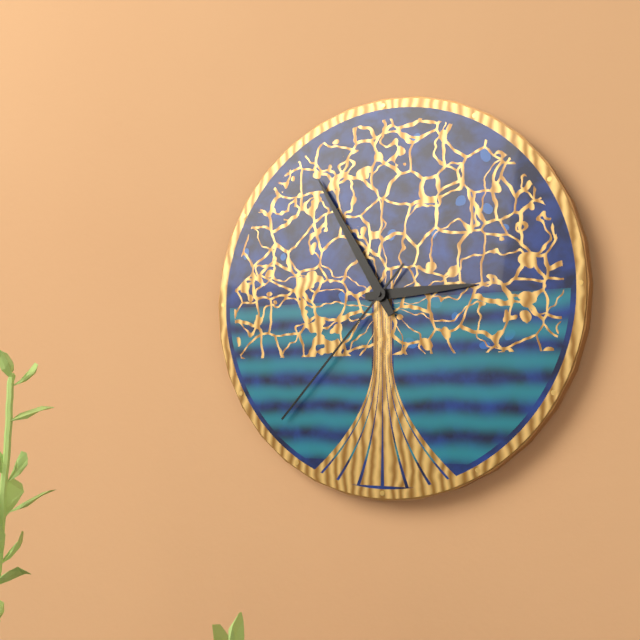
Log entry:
**2:55:37**
